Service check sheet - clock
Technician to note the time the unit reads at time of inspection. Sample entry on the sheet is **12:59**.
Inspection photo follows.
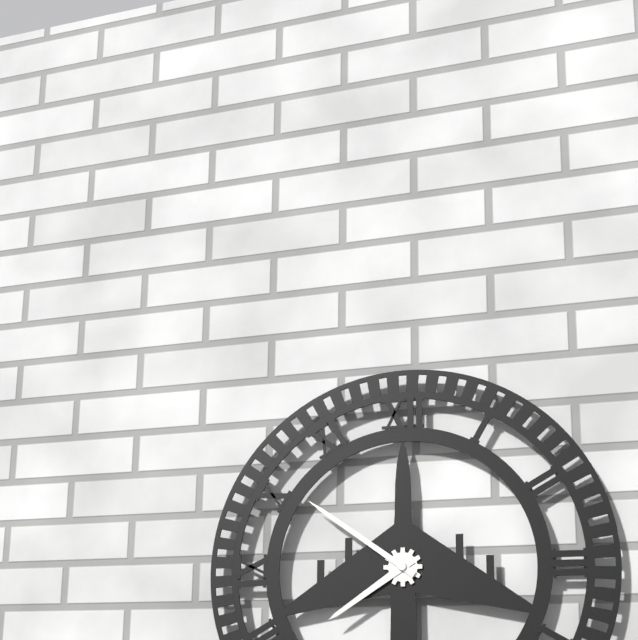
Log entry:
**7:51**
